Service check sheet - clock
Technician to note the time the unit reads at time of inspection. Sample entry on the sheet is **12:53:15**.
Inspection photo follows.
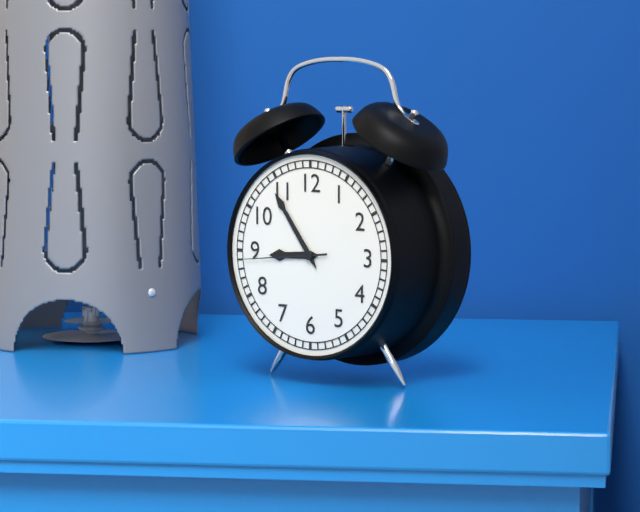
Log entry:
**8:54:44**
